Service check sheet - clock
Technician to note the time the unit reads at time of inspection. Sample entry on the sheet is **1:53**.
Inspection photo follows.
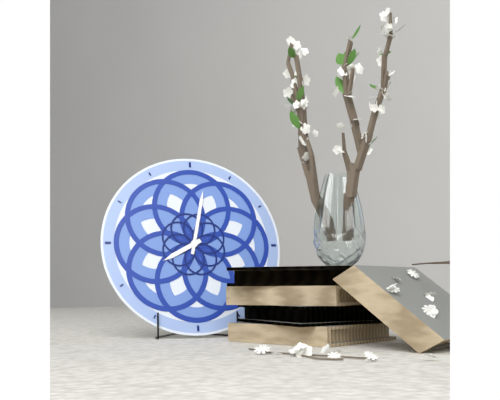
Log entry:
**8:02**
